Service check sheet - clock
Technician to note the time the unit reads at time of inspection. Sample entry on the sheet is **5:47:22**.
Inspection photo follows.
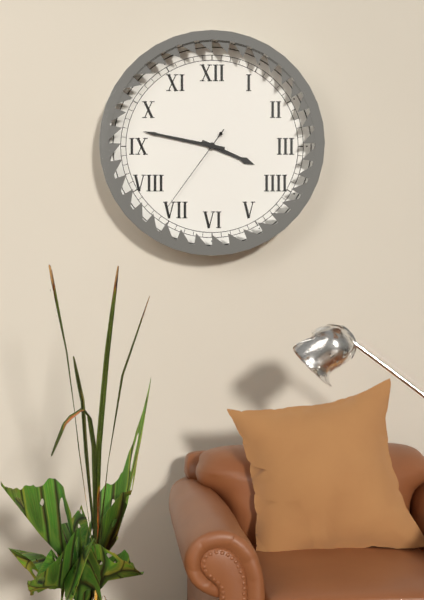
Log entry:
**3:47:36**
